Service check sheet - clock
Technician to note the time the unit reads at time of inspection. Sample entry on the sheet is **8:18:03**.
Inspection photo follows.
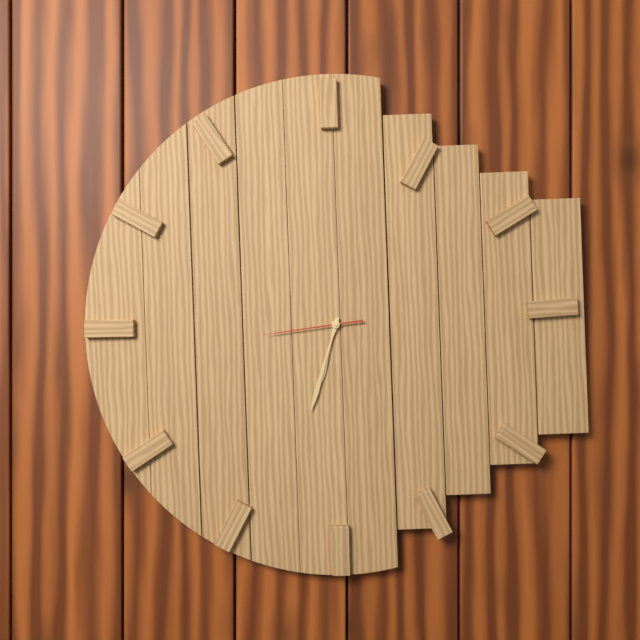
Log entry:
**6:33:44**
